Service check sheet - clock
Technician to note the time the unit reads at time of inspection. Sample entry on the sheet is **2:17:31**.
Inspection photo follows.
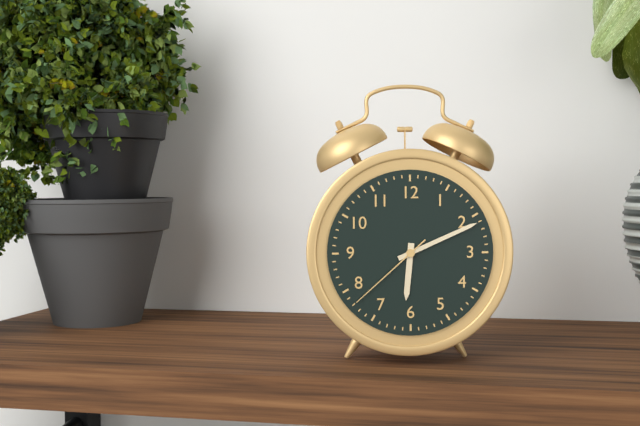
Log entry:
**6:11:38**
